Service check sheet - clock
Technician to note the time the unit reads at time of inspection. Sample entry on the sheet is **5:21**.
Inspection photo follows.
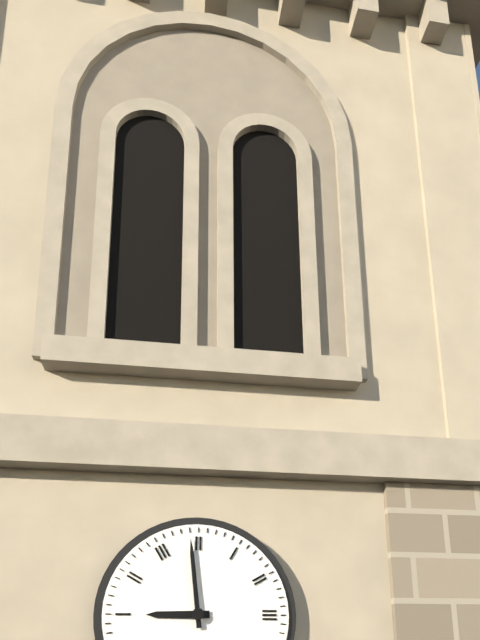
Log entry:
**8:59**
